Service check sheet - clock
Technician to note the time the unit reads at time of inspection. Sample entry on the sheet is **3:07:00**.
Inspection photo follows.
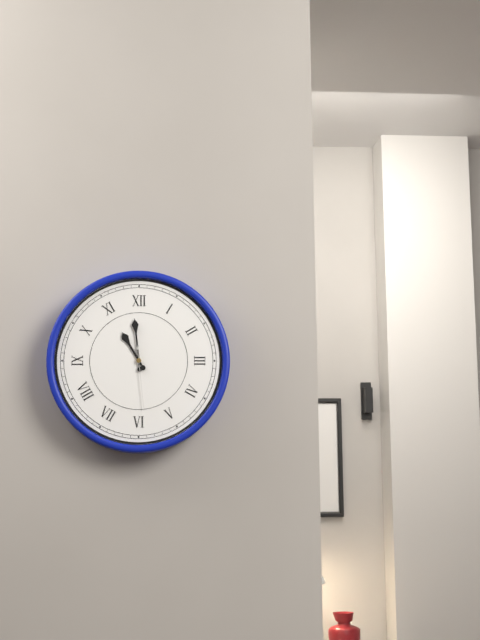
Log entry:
**10:59:29**
